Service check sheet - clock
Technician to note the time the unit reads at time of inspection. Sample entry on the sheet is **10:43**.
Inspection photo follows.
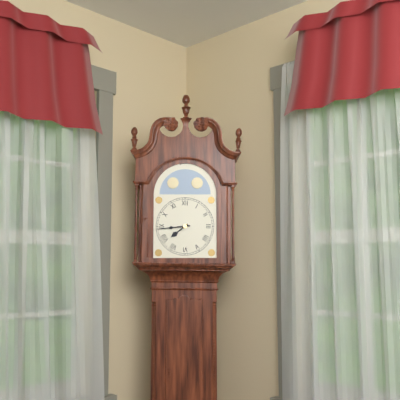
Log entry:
**7:44**
